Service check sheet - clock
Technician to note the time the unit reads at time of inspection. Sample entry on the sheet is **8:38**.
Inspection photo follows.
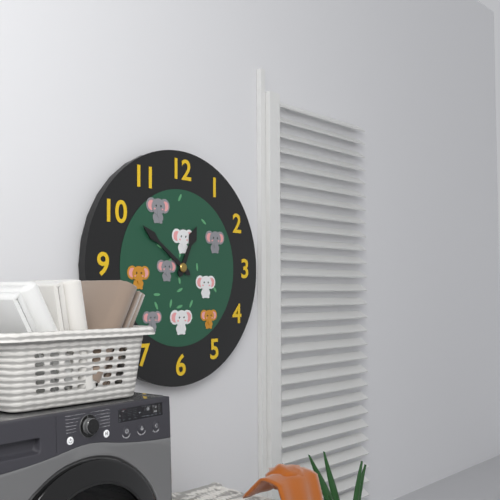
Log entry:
**12:51**
